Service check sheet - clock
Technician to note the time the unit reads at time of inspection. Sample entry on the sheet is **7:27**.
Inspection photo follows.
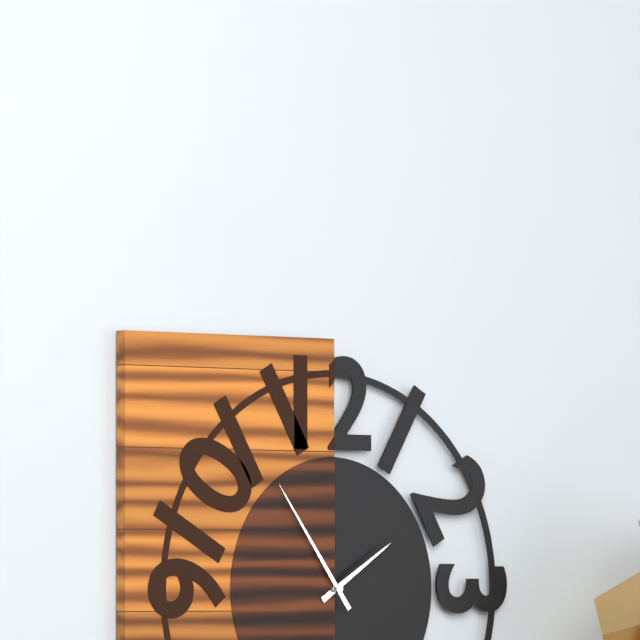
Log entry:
**1:54**
